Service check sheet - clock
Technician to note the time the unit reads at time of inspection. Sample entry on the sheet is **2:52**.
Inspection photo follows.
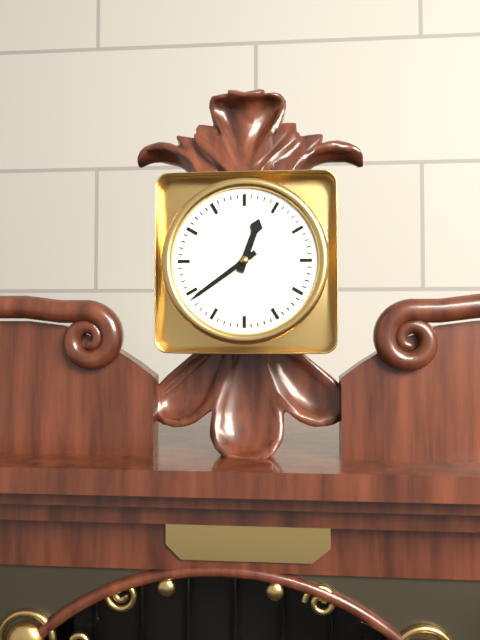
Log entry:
**12:39**
